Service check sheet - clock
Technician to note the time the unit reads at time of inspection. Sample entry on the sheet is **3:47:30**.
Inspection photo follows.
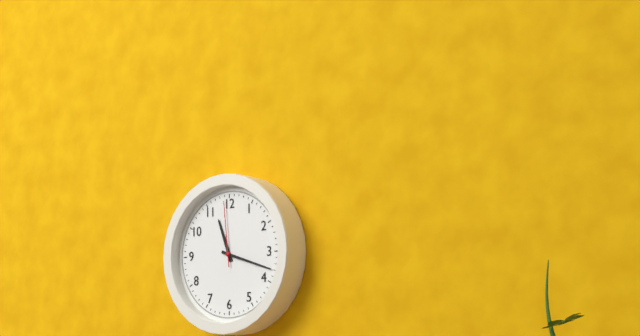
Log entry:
**11:18:59**
